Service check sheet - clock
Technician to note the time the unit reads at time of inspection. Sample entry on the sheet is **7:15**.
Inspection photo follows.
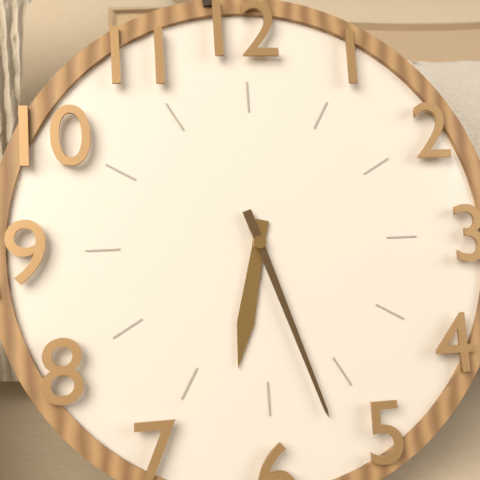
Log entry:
**6:27**
